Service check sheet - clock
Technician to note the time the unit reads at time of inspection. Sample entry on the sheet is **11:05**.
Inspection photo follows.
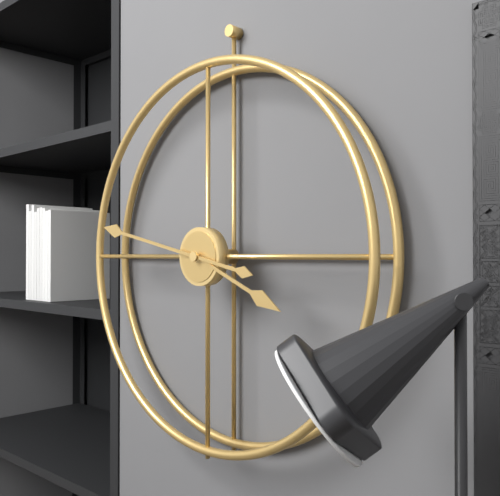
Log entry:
**3:47**
